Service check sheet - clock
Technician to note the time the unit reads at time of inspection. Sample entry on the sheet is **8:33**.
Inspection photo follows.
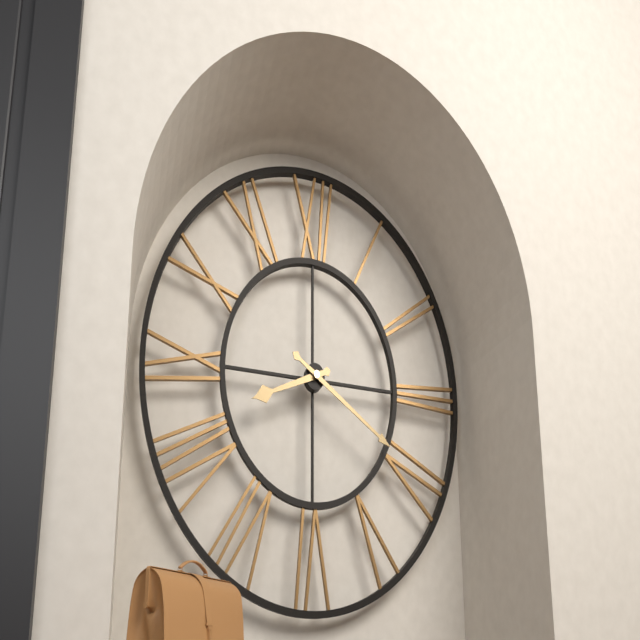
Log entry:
**8:20**
